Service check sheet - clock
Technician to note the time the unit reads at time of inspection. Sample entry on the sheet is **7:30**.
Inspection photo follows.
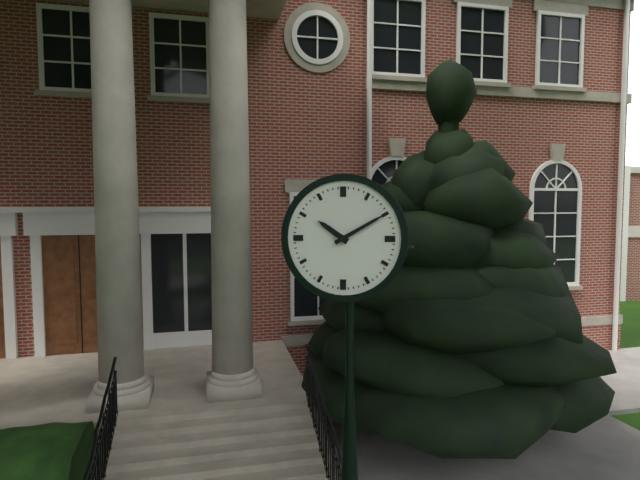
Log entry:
**10:10**
